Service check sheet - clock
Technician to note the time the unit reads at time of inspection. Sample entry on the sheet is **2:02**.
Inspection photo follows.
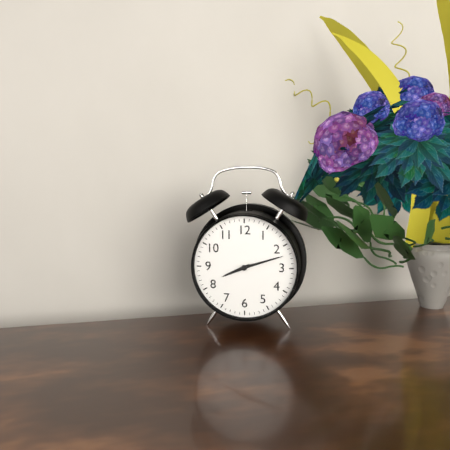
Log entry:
**8:12**
